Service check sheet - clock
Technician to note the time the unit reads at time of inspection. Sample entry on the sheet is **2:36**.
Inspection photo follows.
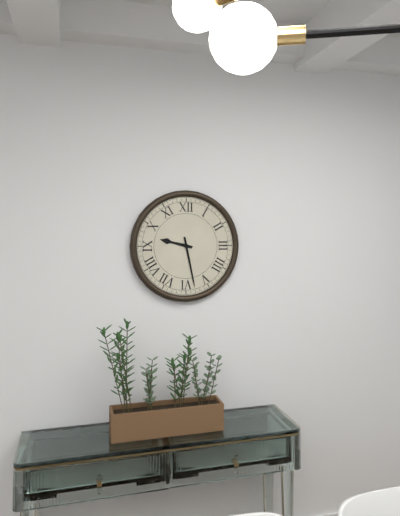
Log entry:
**9:28**
